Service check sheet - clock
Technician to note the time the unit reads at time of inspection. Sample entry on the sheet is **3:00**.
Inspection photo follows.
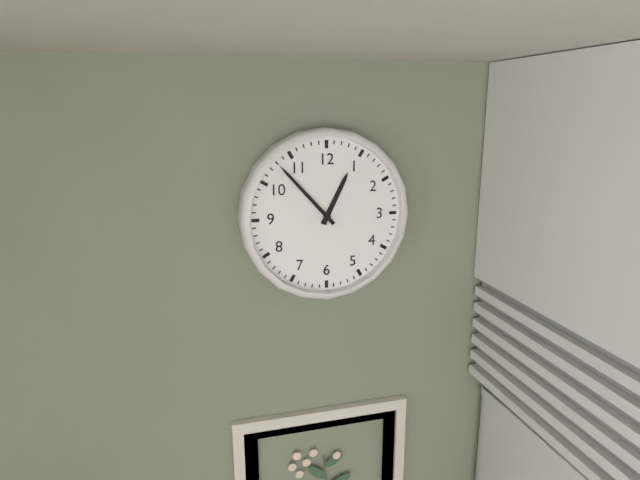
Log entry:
**12:53**
